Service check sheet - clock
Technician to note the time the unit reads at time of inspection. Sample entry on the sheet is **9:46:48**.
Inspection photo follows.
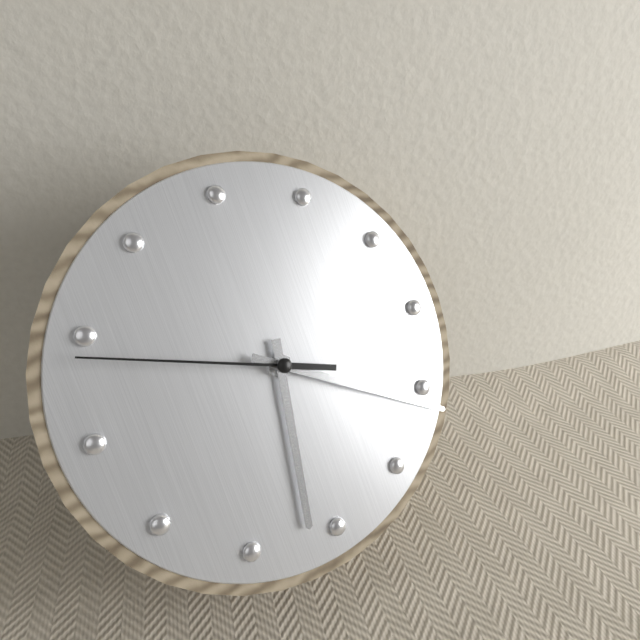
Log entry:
**6:21:49**
